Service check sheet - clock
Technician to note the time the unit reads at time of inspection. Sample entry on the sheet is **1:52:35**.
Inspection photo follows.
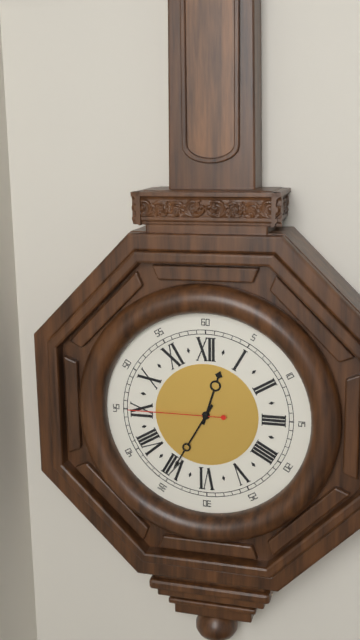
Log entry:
**12:35:45**
